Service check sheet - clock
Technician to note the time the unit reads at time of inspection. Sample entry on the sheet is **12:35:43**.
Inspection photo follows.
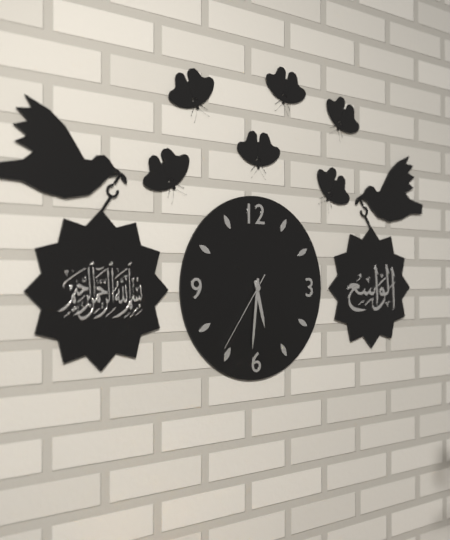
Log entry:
**5:31:36**
